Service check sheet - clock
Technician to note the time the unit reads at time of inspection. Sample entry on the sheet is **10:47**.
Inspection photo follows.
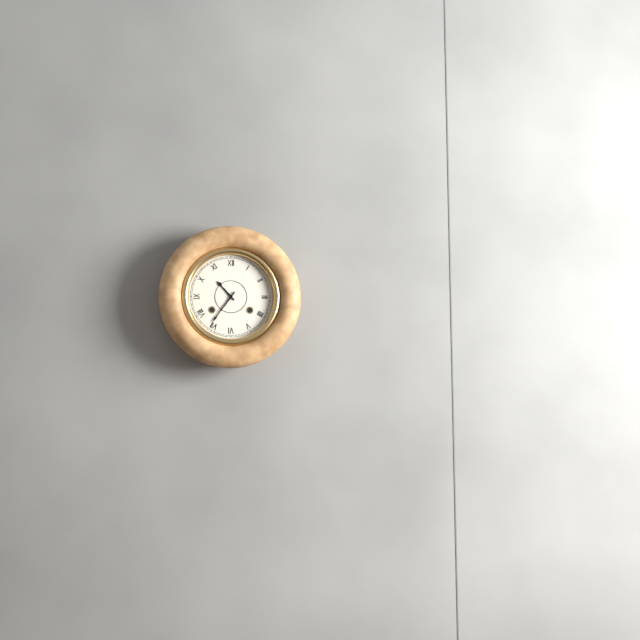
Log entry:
**10:36**
